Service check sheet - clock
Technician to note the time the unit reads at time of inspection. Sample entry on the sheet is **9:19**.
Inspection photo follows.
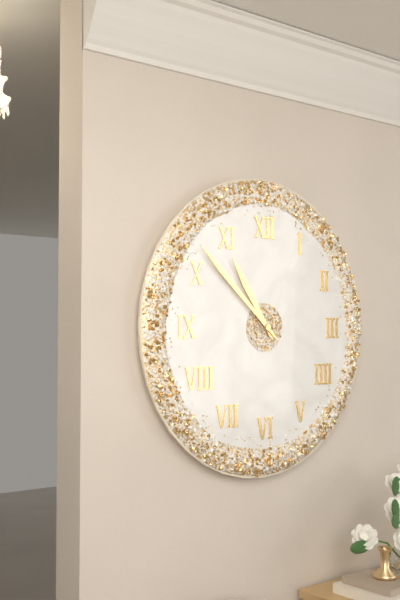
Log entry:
**10:52**
